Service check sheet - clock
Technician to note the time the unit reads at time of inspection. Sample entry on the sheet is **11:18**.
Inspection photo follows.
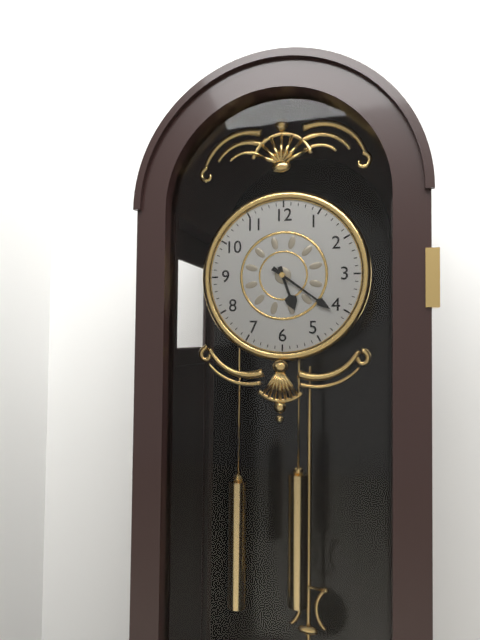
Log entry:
**5:21**
